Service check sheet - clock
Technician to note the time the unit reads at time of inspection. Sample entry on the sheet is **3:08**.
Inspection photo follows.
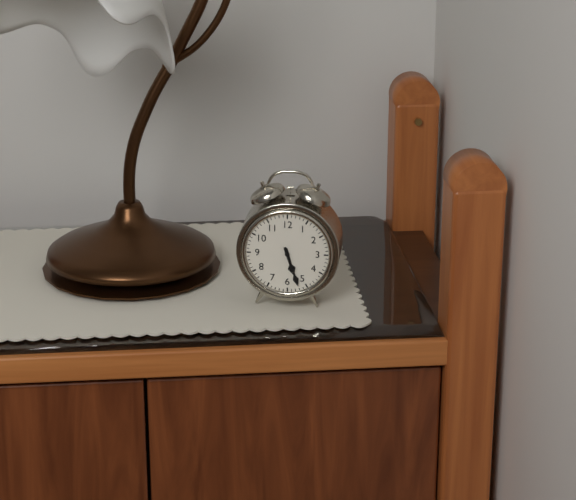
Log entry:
**5:27**
